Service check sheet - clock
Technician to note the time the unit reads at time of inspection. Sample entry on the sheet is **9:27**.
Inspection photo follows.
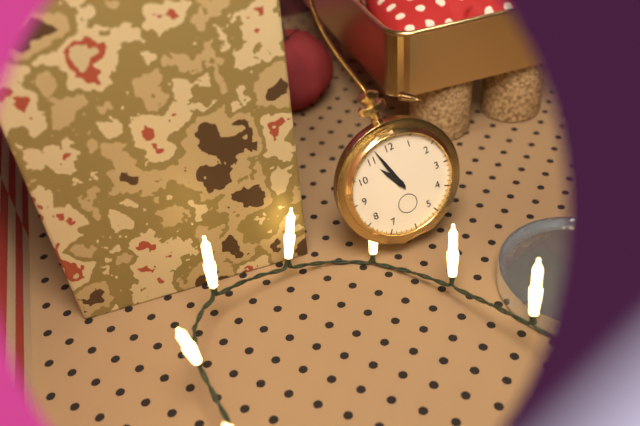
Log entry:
**10:57**
